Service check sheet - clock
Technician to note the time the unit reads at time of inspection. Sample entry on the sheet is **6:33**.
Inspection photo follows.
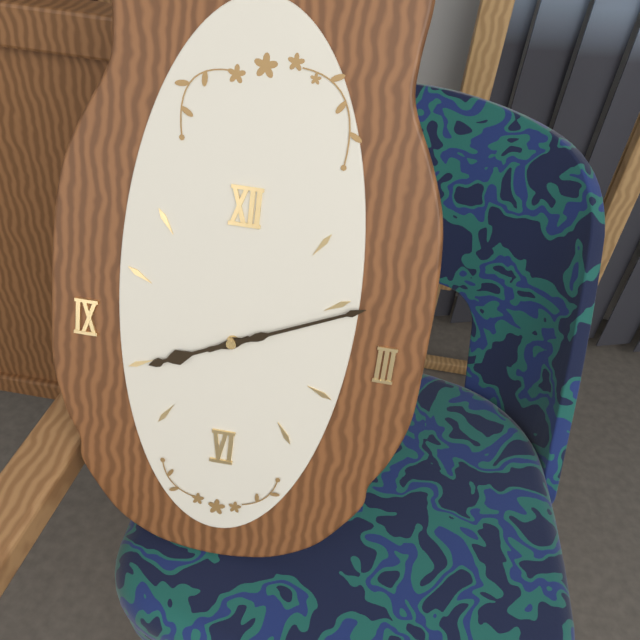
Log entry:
**8:11**
